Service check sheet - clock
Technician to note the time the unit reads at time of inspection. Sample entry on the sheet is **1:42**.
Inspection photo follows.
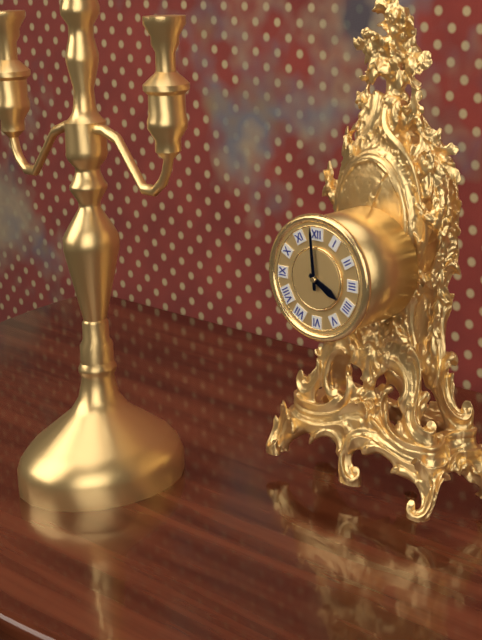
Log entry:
**3:59**
